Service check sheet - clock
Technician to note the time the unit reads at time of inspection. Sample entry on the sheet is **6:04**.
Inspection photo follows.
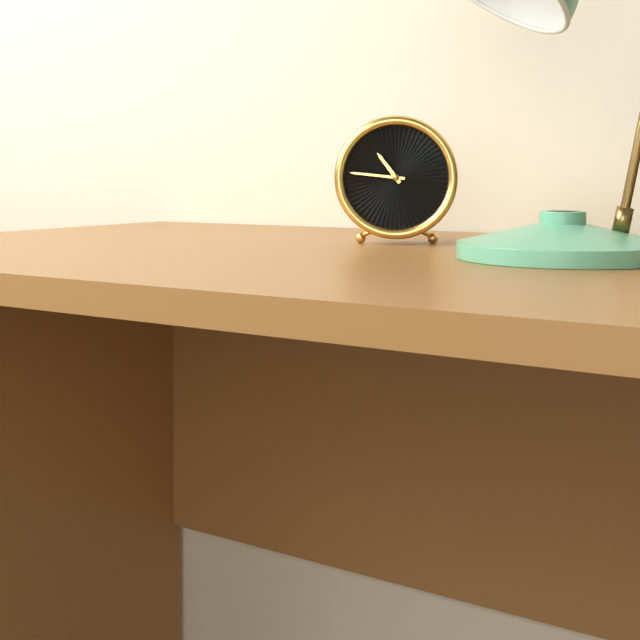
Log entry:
**10:46**
